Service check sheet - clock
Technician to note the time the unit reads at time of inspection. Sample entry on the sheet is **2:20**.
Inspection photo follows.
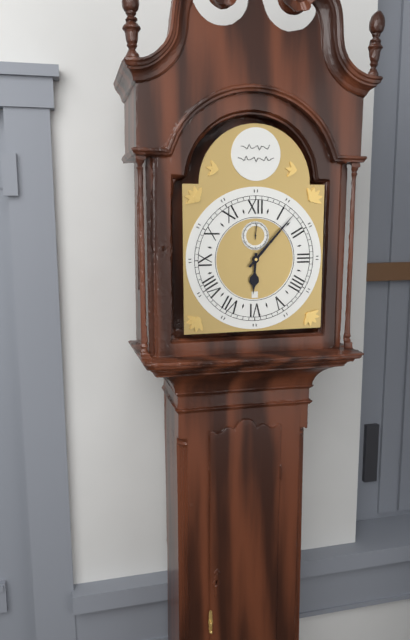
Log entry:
**6:07**
